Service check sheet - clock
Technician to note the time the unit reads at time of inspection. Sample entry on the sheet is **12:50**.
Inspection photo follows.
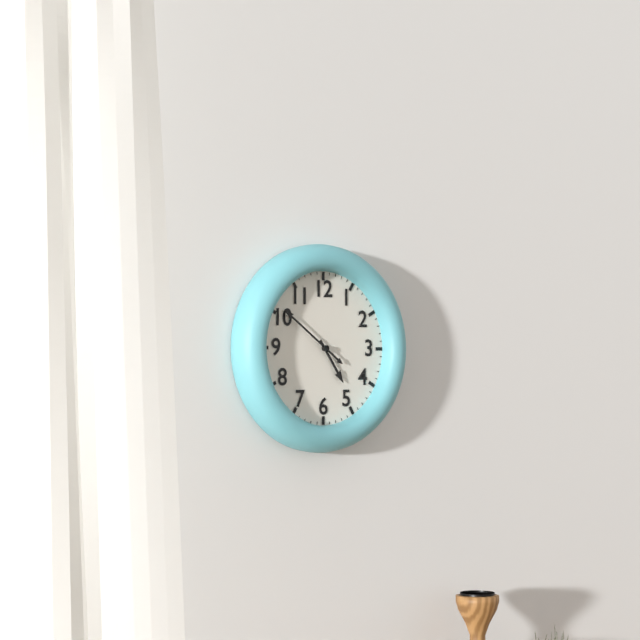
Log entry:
**4:51**
